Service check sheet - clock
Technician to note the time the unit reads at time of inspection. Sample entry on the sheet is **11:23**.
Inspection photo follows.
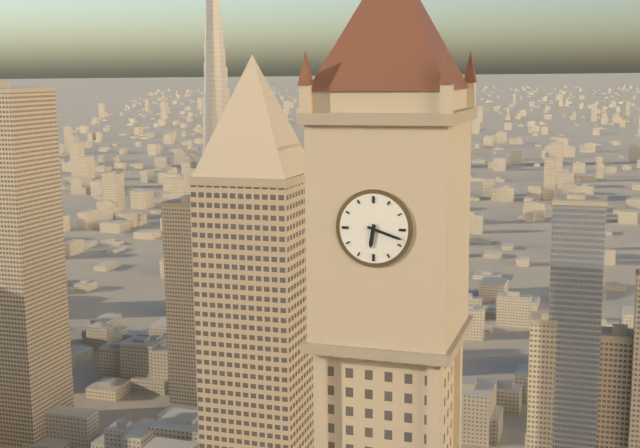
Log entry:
**6:18**
